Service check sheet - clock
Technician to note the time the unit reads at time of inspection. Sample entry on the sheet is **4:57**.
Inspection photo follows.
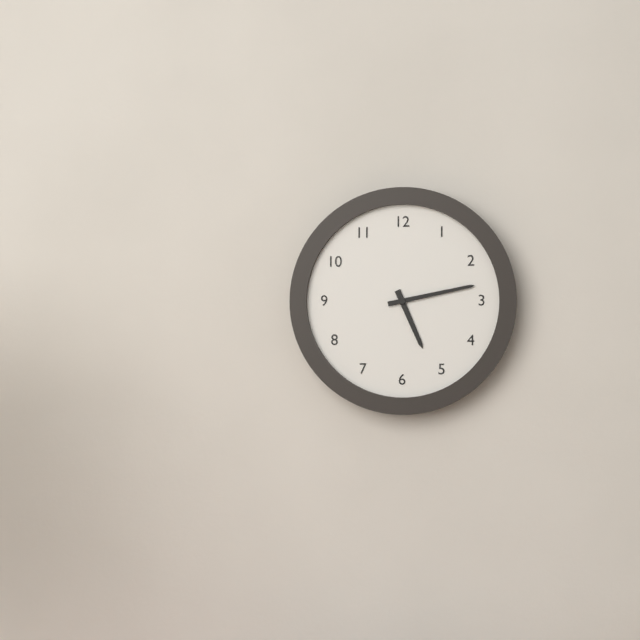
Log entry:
**5:13**
